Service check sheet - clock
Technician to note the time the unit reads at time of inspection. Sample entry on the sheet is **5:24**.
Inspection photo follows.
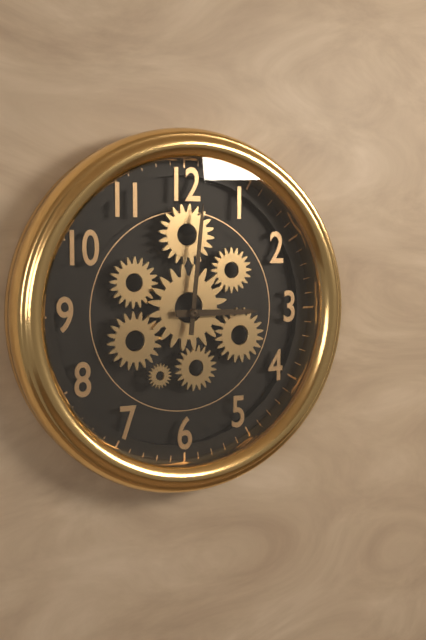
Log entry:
**3:01**
